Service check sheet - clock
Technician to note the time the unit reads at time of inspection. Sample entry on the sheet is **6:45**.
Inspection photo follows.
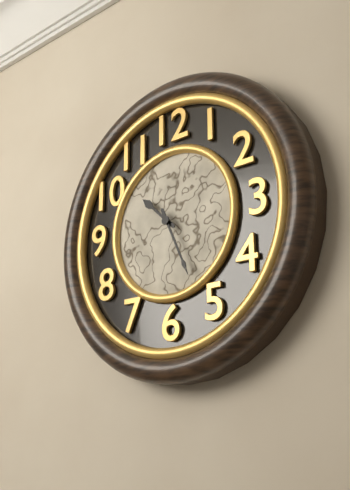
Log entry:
**10:26**
